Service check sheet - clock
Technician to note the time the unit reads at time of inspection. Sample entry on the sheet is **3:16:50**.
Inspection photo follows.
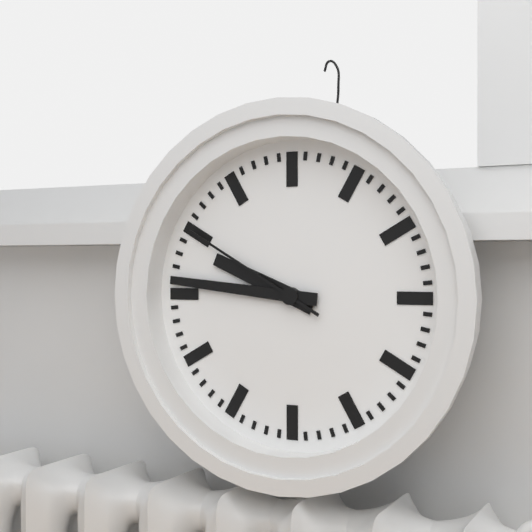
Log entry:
**9:46:50**
